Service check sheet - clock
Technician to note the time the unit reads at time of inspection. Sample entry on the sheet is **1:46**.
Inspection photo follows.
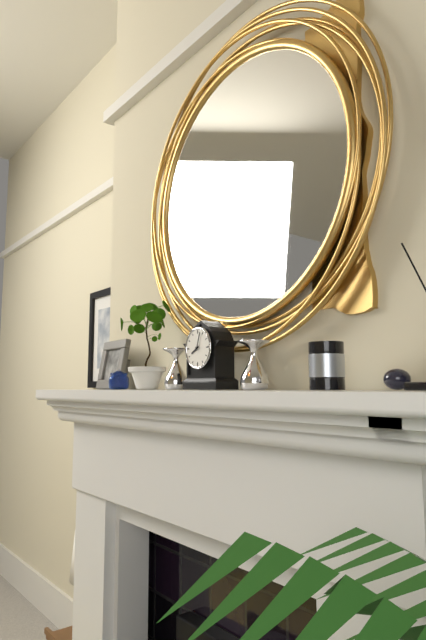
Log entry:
**8:03**
